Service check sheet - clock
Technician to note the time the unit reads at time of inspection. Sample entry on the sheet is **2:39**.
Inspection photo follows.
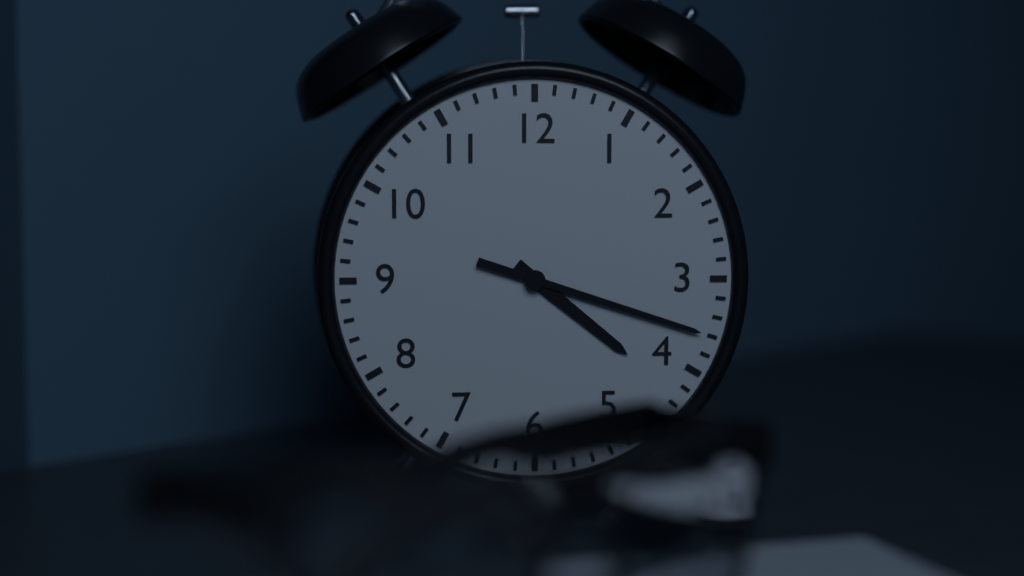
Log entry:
**4:18**
